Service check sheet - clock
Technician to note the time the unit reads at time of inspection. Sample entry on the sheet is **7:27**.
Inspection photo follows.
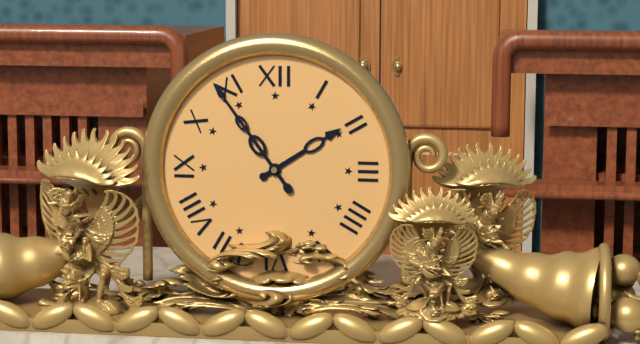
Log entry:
**1:54**
